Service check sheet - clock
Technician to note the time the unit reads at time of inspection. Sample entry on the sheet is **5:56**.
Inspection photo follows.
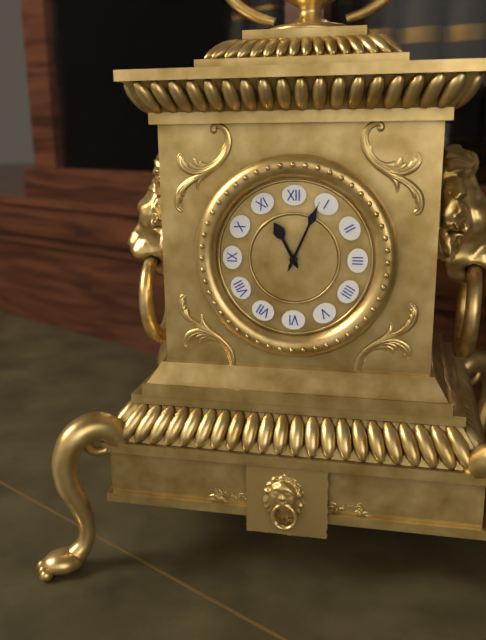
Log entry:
**11:04**
